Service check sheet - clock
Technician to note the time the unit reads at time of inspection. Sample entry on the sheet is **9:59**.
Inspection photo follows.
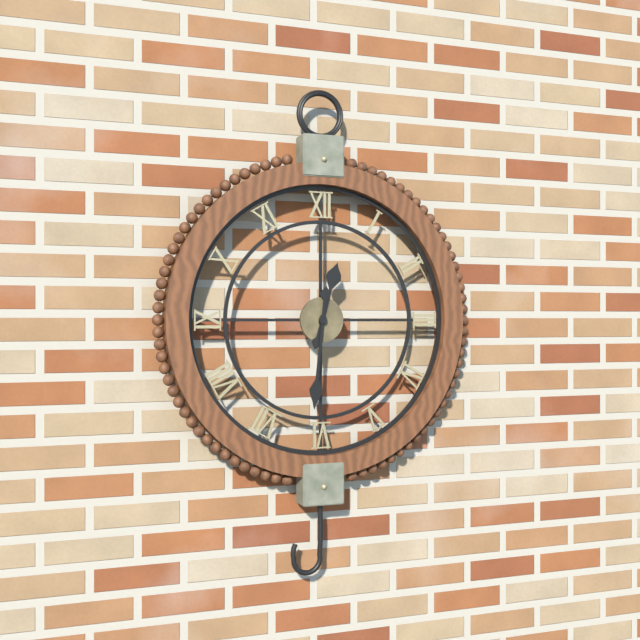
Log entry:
**12:31**
